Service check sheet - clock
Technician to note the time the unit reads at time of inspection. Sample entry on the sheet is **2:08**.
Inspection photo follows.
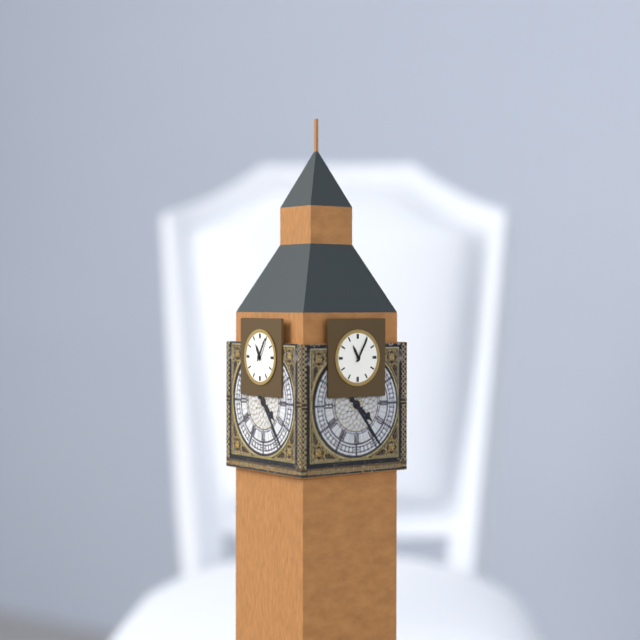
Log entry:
**11:05**
